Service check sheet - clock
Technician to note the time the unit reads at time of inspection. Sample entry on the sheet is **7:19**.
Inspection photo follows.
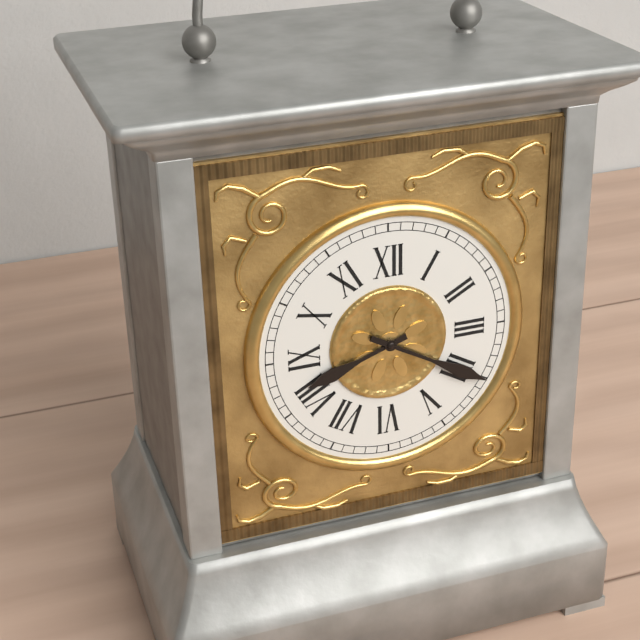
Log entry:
**8:20**
